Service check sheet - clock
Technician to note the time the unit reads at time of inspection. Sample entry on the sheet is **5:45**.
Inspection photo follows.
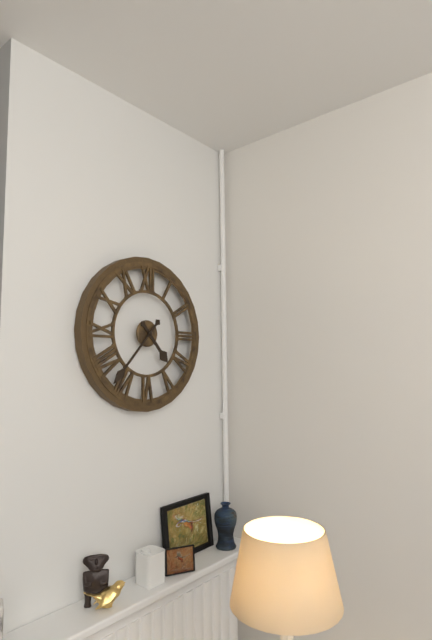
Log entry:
**4:37**
